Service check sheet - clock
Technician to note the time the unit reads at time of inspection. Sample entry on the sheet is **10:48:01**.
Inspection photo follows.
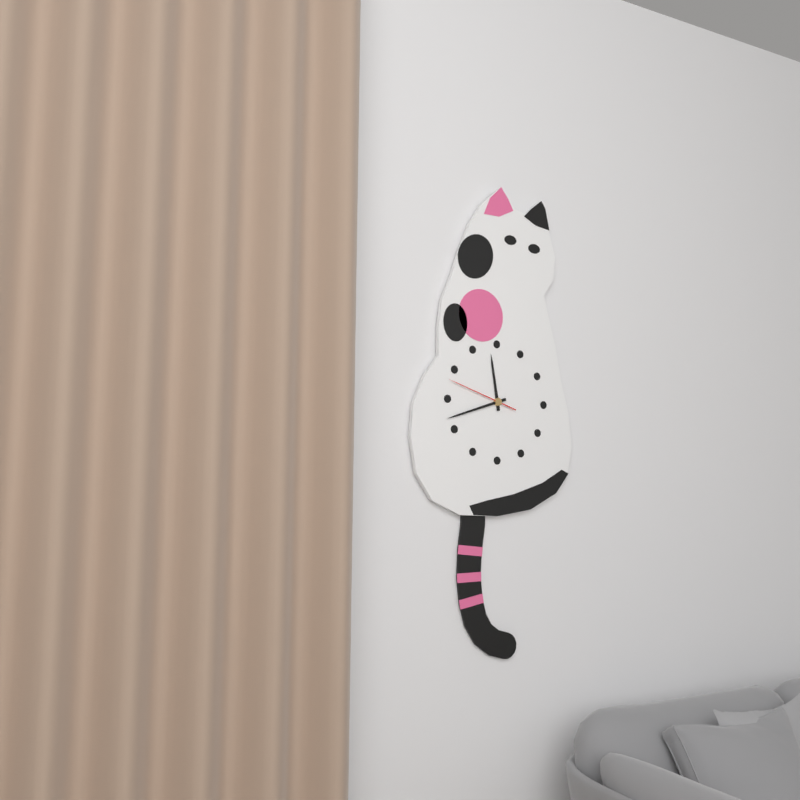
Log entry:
**11:42:48**
